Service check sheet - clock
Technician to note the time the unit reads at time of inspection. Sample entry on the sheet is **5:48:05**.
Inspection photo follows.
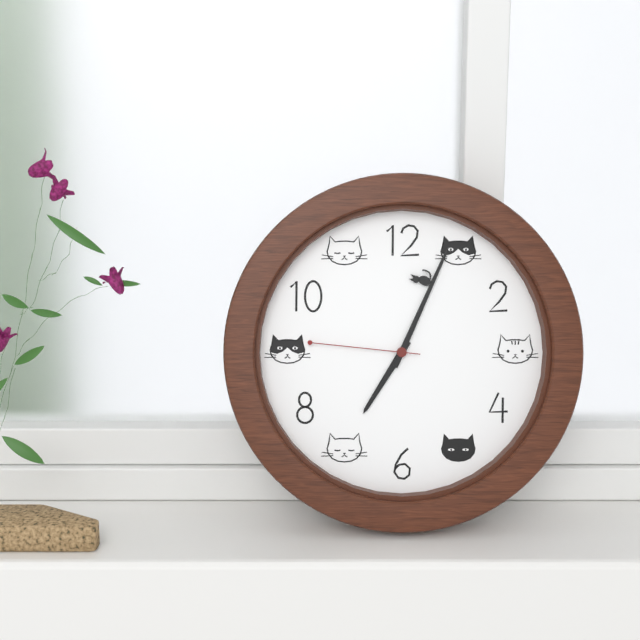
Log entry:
**7:04:46**
